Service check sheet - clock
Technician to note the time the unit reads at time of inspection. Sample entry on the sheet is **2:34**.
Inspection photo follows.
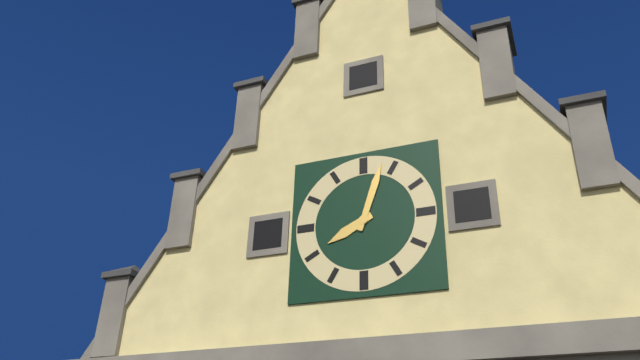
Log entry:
**8:03**
